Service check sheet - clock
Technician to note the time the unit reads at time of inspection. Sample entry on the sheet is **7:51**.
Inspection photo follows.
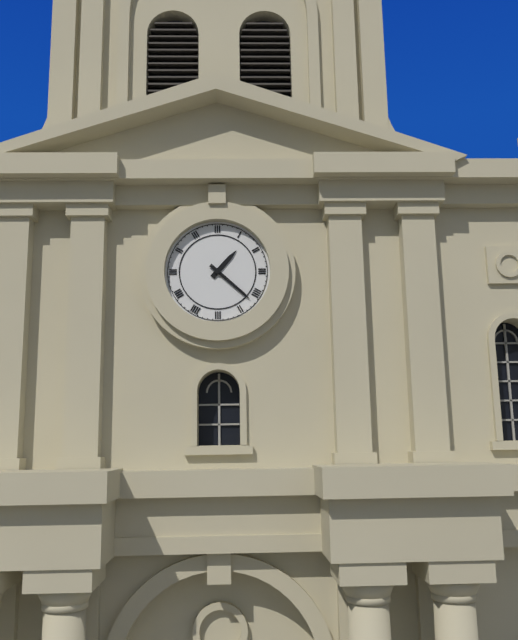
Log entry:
**1:22**
